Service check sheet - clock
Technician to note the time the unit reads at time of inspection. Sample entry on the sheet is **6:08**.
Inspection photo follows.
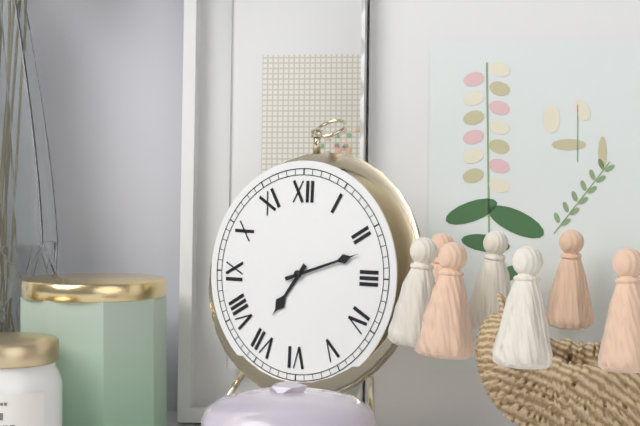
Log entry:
**7:12**
